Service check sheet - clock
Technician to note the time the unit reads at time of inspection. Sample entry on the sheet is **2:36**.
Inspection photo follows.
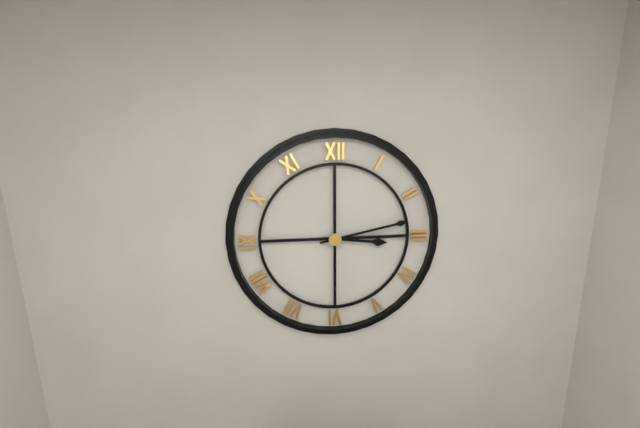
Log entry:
**3:13**
